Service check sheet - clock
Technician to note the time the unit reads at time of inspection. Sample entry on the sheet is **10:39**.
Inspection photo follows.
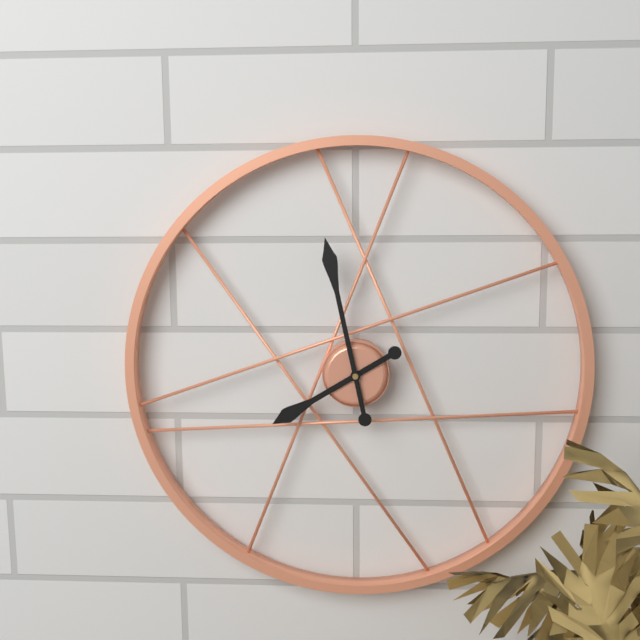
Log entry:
**7:58**
